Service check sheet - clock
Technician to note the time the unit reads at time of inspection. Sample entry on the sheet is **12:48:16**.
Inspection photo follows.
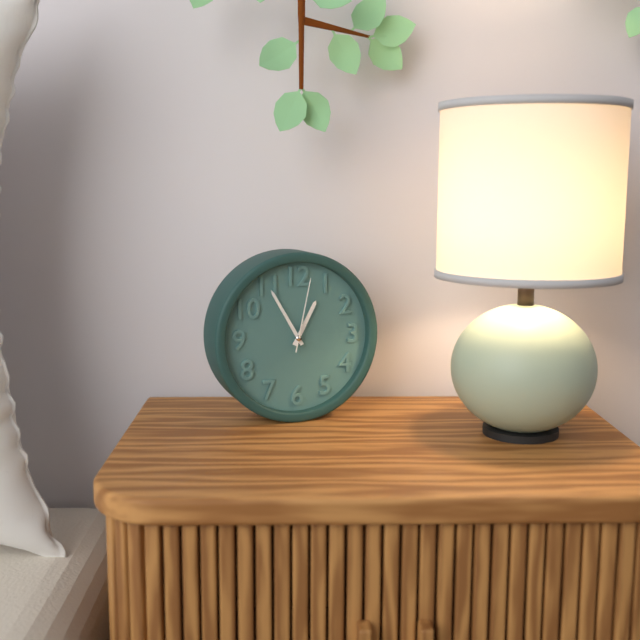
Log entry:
**12:55:02**
